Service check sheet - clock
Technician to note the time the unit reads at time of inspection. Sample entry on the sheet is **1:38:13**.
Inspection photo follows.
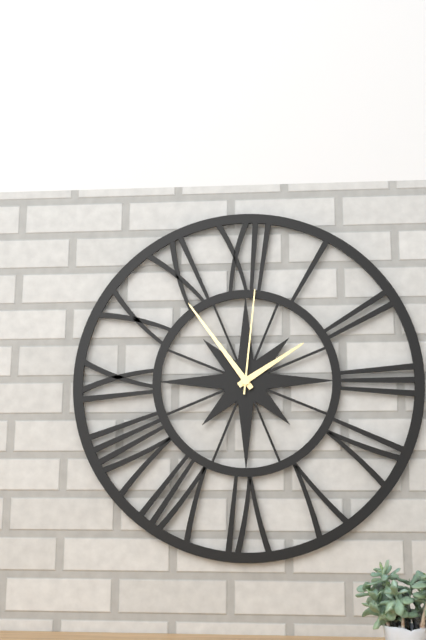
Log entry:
**1:54:01**
